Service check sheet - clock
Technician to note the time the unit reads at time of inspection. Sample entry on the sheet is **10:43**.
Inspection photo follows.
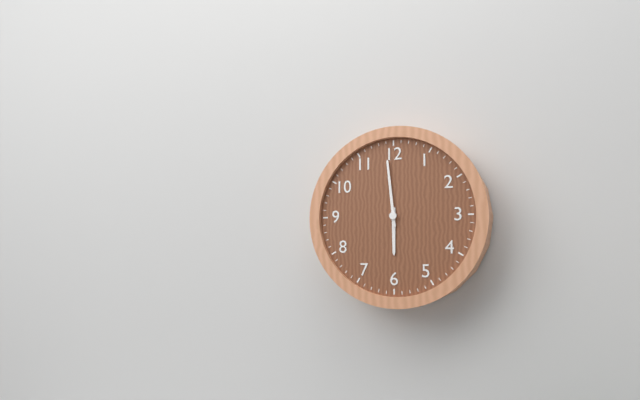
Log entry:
**5:59**
